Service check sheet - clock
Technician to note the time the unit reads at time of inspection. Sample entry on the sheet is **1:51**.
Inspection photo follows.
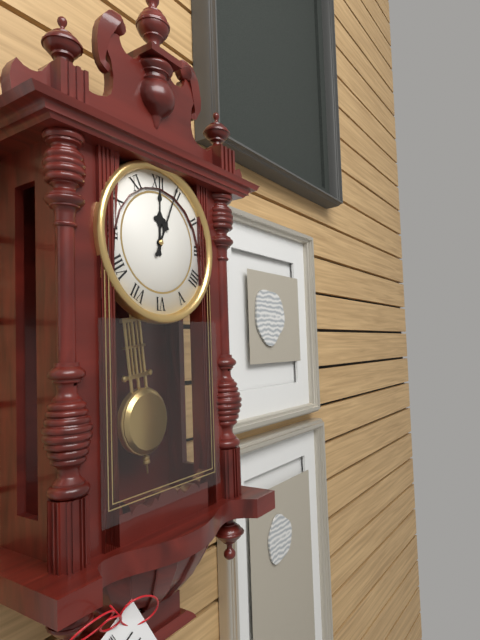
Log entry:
**12:04**
